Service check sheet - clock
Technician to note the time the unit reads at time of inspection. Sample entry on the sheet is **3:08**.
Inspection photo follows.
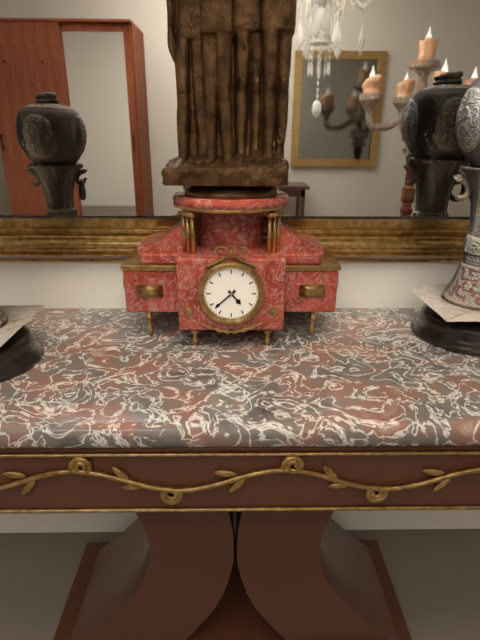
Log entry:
**4:38**
